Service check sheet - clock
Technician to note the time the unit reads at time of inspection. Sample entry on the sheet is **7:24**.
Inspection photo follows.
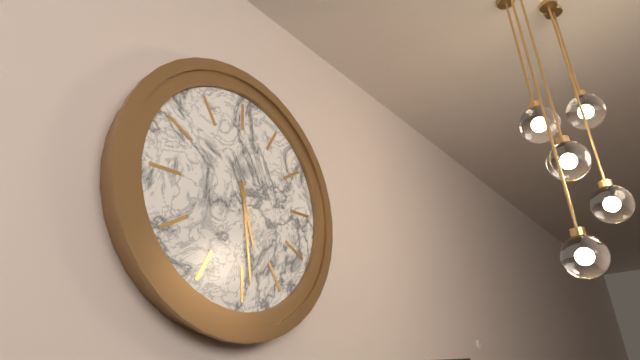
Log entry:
**5:29**
